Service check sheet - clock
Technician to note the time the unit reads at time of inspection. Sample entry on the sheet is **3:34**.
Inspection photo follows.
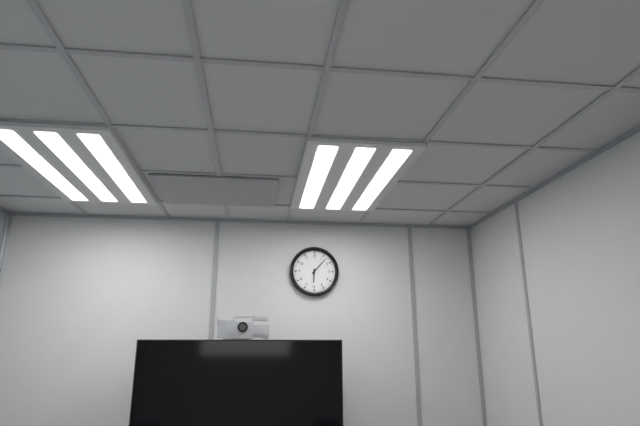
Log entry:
**6:07**
